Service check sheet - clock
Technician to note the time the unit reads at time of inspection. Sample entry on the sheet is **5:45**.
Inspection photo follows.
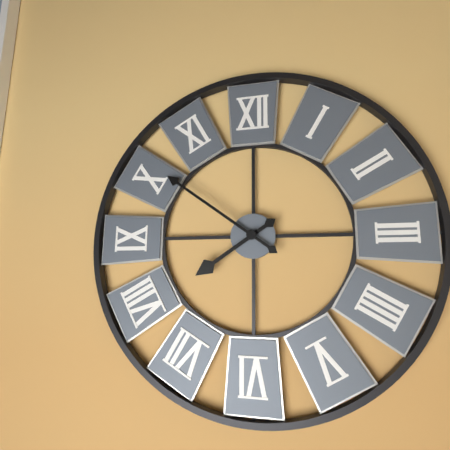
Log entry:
**7:51**
